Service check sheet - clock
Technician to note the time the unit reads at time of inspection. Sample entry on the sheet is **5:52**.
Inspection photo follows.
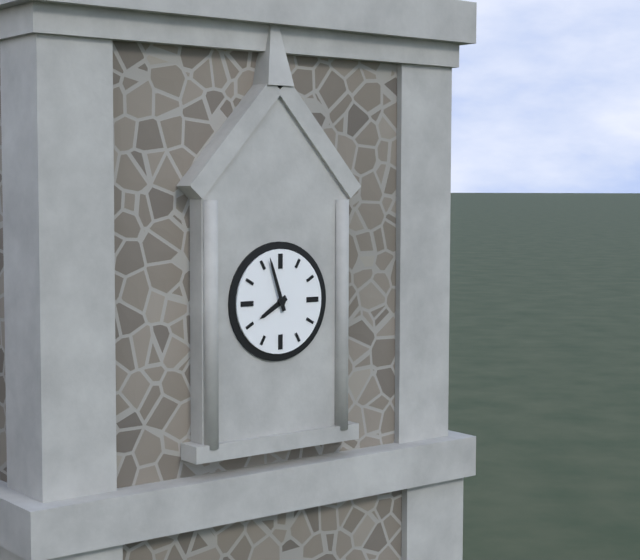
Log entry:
**7:57**
